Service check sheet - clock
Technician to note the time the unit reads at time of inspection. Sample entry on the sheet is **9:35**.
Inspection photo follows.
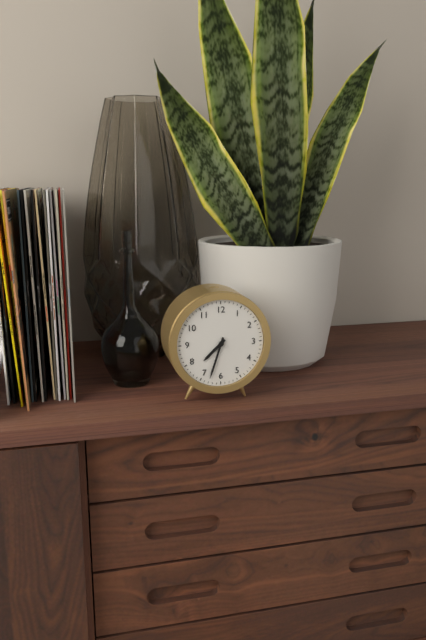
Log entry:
**7:33**
